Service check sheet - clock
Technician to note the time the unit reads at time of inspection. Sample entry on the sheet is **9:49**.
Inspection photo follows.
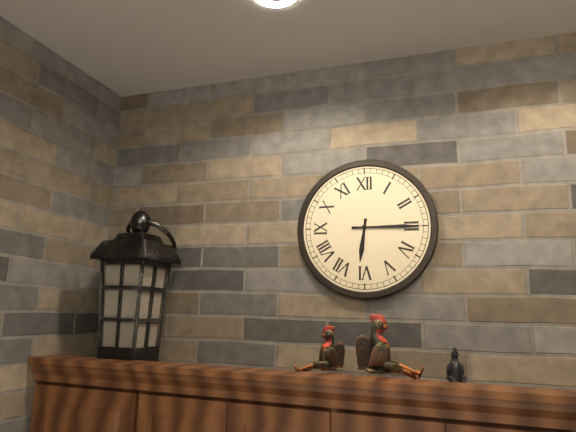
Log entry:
**6:15**
